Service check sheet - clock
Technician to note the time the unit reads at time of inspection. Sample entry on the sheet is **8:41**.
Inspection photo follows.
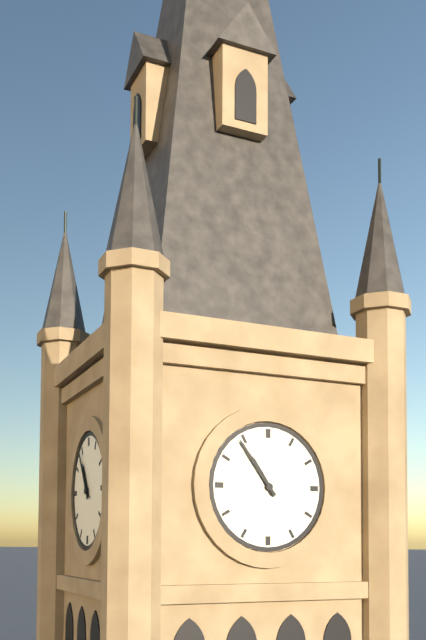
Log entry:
**10:54**
